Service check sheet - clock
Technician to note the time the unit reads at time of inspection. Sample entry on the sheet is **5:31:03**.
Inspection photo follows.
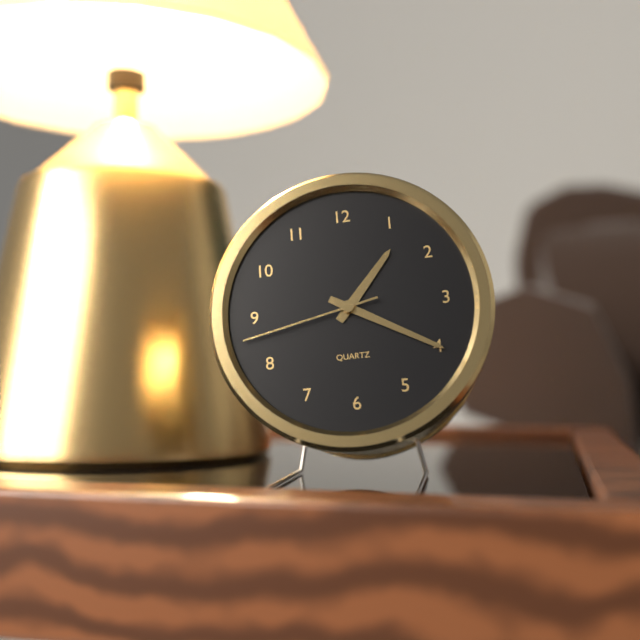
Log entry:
**1:20:43**
